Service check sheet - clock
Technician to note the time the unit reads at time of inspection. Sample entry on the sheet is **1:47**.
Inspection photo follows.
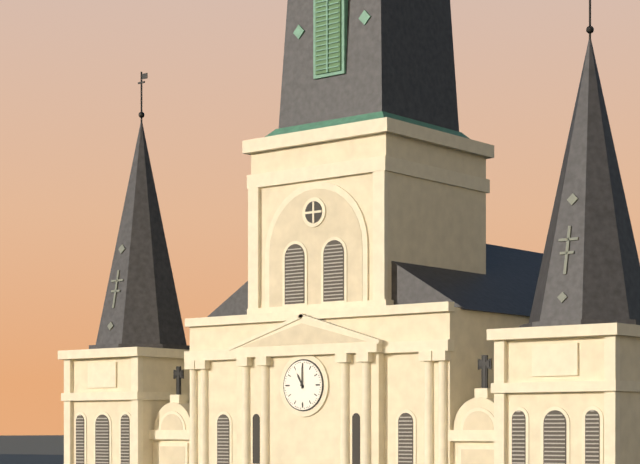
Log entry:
**11:00**
